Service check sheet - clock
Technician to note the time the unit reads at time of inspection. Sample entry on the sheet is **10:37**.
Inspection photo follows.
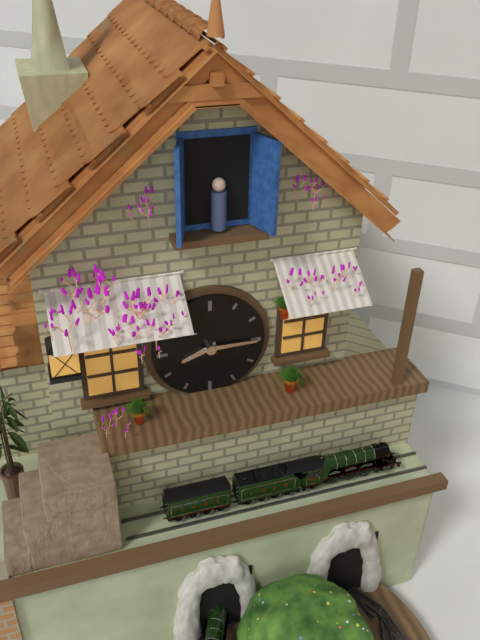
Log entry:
**8:15**
